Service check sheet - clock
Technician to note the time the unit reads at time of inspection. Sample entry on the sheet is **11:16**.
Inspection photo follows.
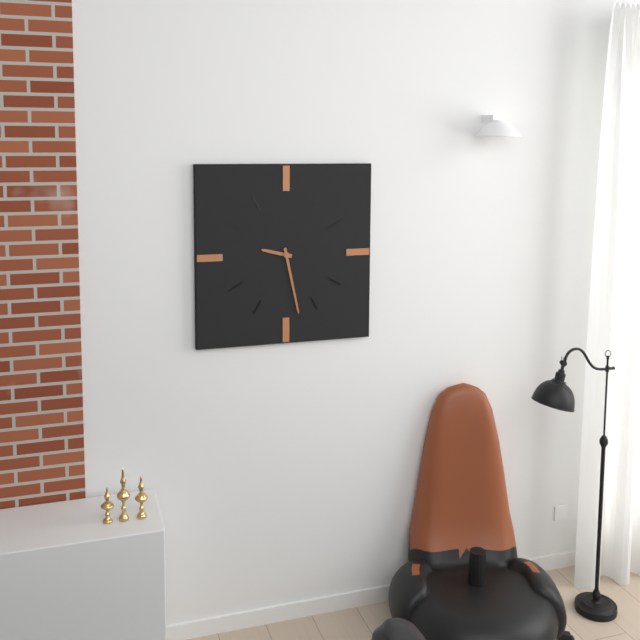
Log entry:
**9:28**
